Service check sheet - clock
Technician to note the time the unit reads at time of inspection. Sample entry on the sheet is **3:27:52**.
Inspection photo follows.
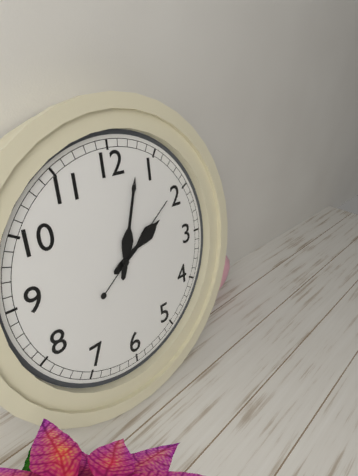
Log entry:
**2:03:09**
